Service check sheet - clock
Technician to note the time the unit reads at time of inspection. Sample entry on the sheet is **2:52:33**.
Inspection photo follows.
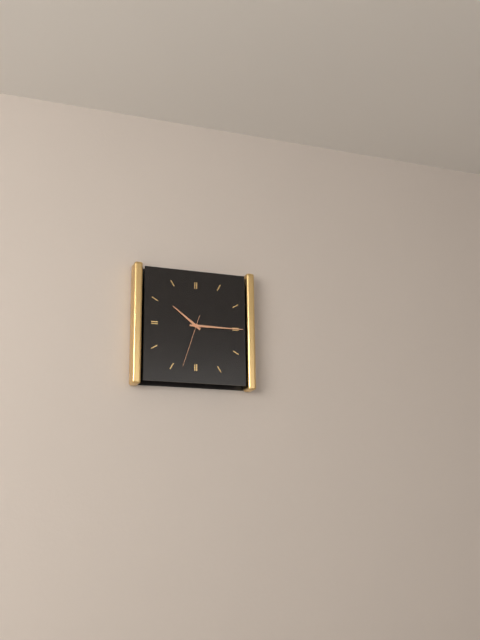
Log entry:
**10:15:33**
